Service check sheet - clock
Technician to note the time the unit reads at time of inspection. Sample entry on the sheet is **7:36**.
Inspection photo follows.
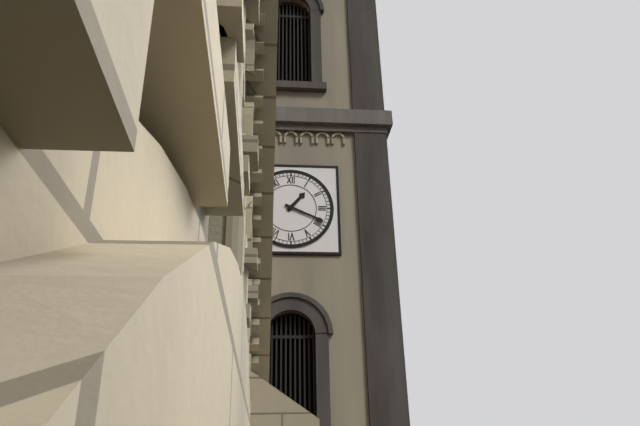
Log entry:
**1:19**
